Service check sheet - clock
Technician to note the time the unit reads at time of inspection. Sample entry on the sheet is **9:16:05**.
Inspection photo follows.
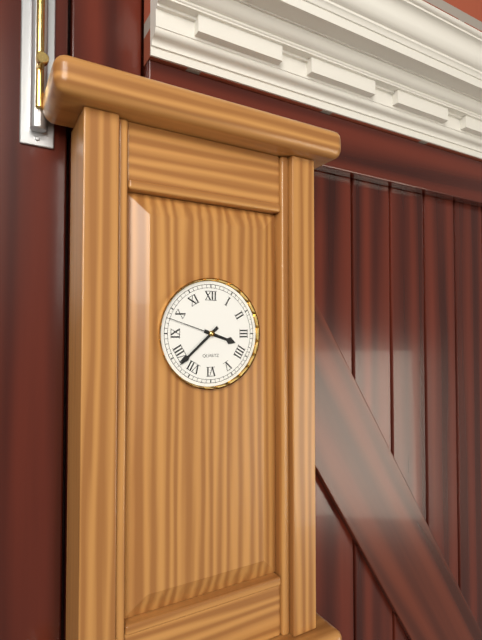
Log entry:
**3:38:48**
